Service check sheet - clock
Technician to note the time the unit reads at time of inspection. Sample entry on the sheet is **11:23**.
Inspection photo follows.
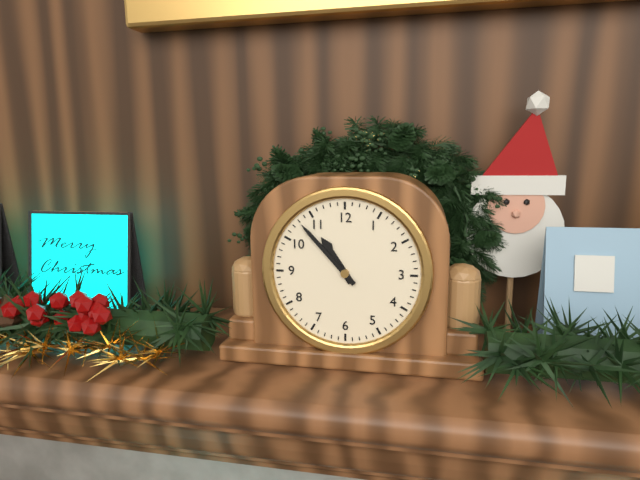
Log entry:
**10:53**
